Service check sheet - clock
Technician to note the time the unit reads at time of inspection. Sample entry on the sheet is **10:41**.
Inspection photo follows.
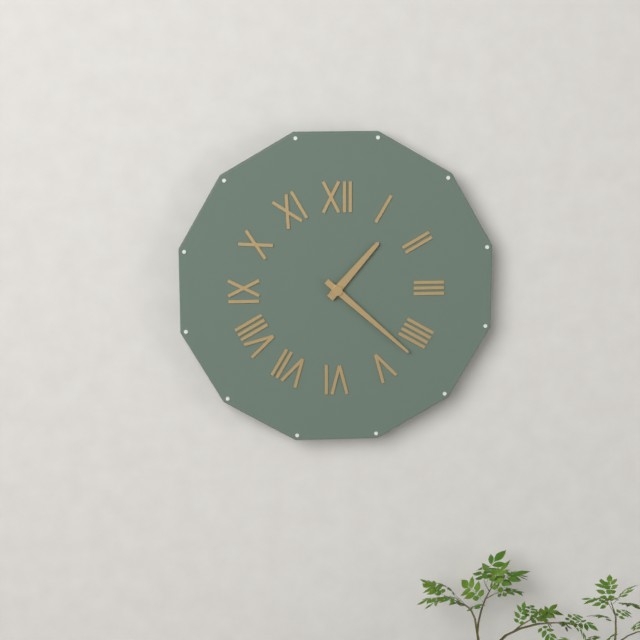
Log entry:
**1:22**
